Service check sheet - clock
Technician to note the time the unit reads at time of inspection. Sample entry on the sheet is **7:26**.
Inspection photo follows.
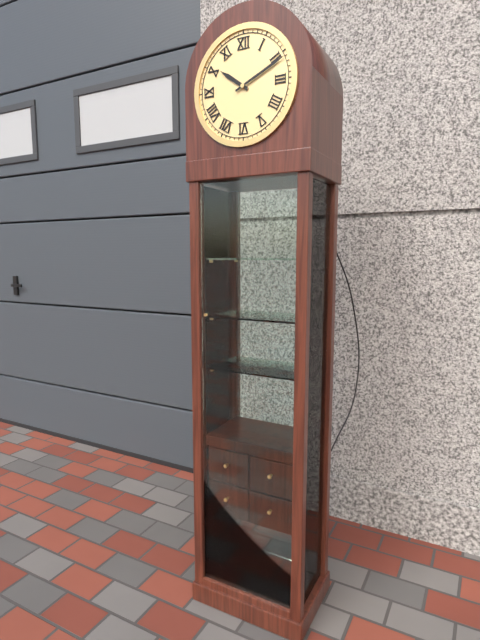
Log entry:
**10:11**
